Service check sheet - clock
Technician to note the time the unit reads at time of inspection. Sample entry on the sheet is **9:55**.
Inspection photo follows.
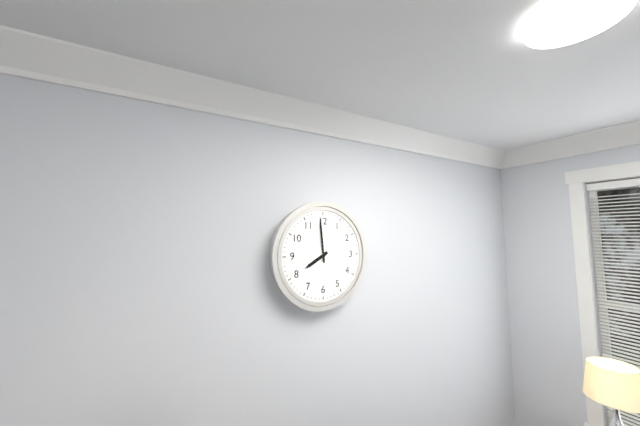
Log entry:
**7:59**
